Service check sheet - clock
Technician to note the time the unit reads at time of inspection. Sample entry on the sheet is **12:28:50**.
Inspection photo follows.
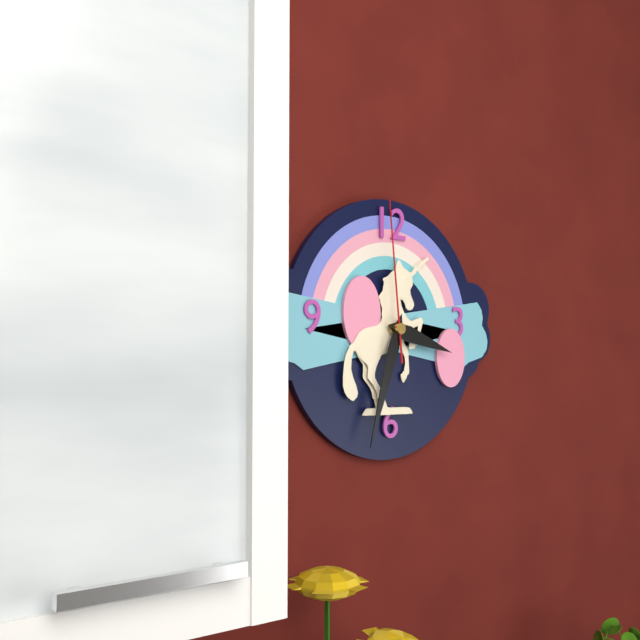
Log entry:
**3:33:59**
